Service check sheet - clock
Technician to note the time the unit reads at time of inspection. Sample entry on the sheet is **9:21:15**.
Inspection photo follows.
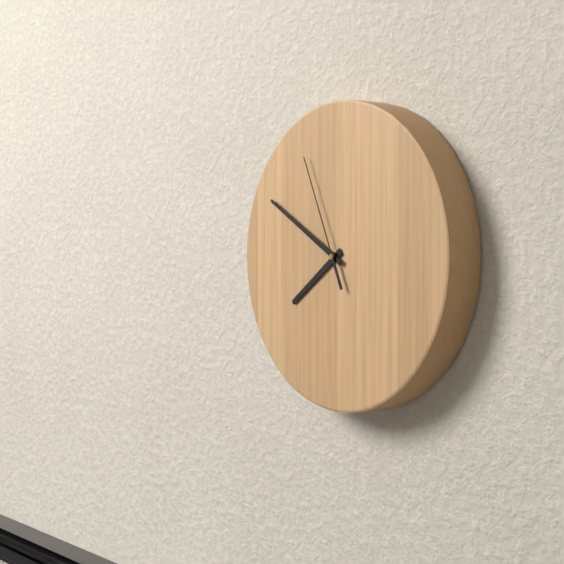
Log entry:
**7:50:56**
